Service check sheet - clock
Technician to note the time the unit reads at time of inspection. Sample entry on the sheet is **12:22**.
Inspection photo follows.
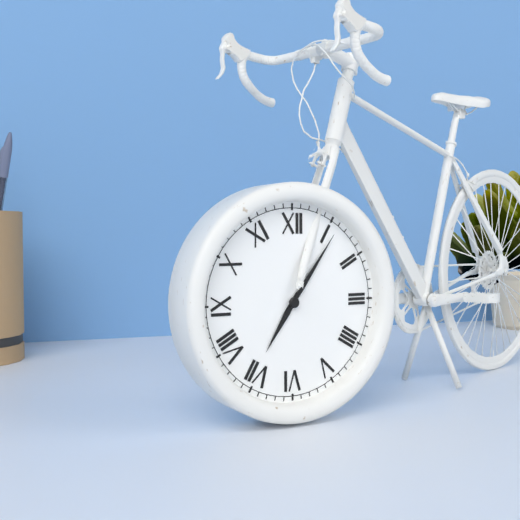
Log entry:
**7:06**
